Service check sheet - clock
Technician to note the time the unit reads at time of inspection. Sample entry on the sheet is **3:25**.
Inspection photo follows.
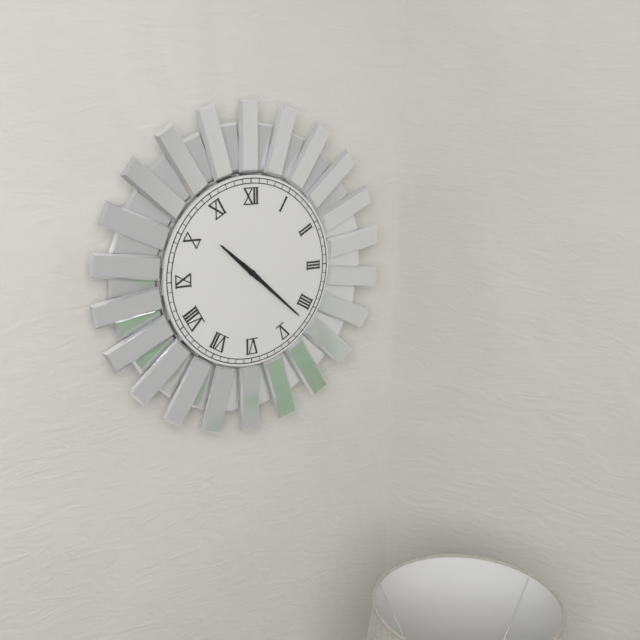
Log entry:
**10:22**
